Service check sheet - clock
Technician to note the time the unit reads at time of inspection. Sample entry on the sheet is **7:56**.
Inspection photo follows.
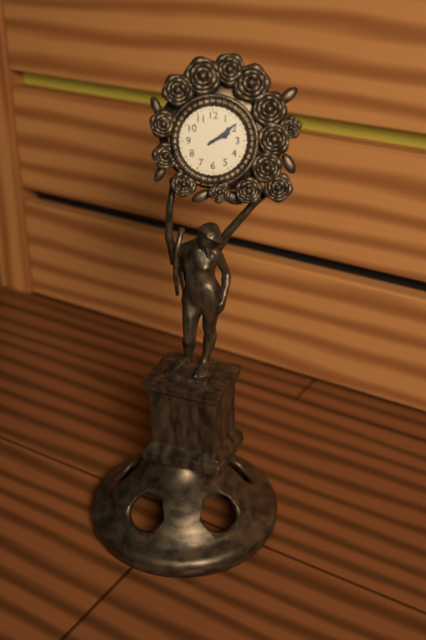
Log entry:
**2:09**
